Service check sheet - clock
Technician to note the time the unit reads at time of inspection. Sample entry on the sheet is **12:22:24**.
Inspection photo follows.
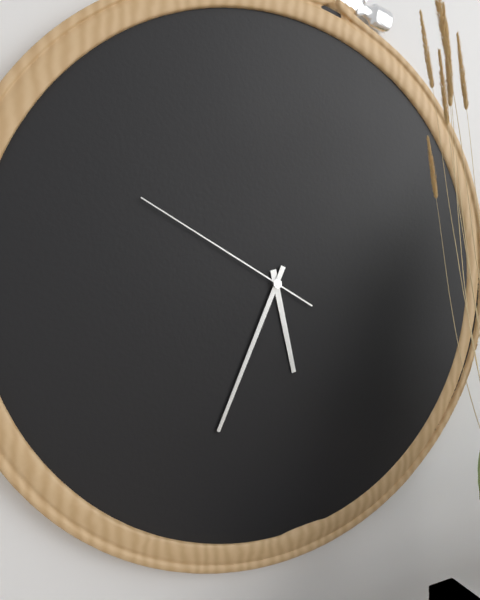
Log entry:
**5:34:50**
